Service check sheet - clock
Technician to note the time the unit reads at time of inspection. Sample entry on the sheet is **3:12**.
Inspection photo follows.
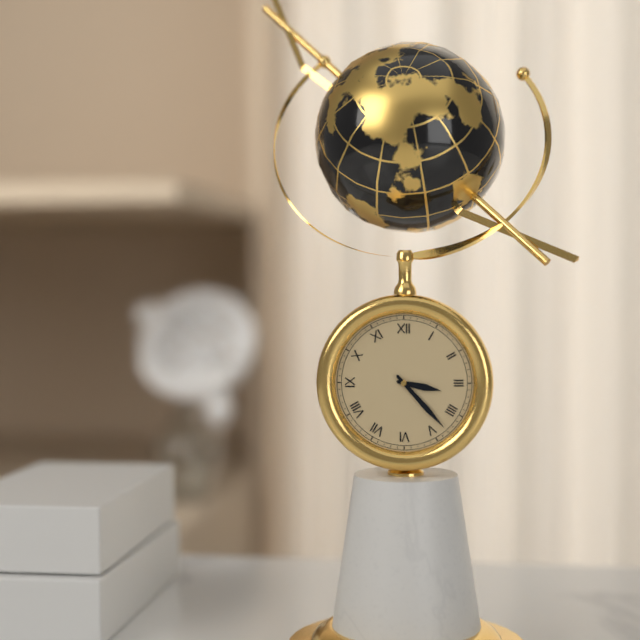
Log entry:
**3:23**
